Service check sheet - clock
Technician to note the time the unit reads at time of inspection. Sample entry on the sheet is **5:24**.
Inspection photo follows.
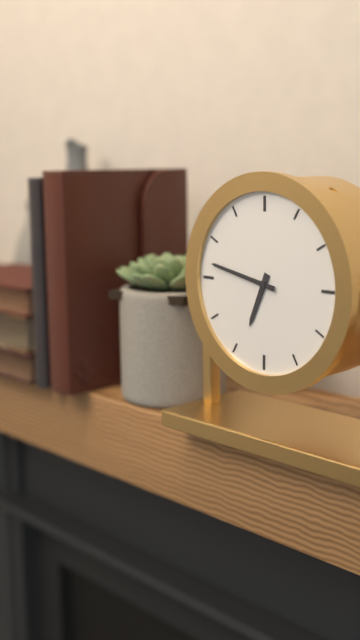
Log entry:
**6:47**
